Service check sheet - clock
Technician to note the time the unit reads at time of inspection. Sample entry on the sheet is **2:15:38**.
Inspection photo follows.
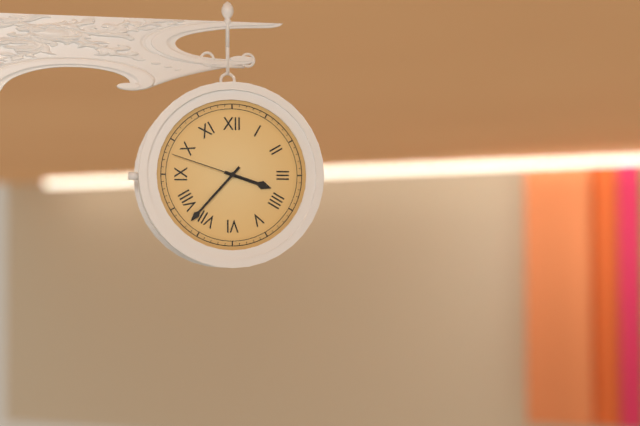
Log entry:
**3:37:48**
